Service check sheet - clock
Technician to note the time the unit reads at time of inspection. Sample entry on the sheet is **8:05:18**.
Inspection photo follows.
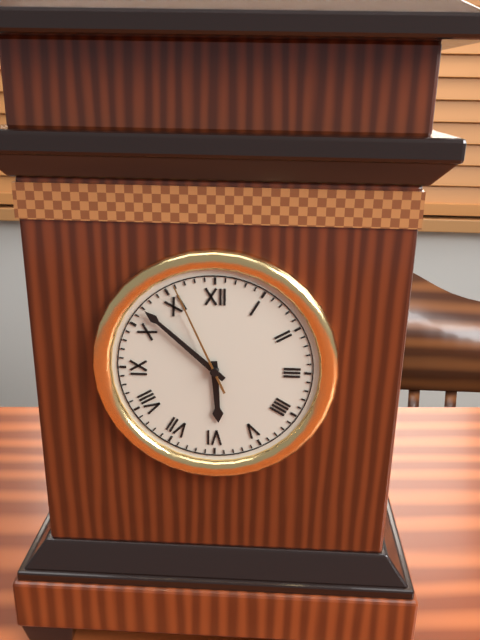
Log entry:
**5:52:56**
